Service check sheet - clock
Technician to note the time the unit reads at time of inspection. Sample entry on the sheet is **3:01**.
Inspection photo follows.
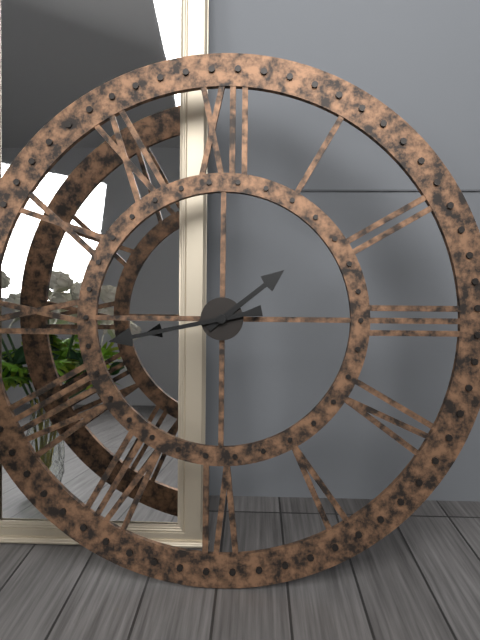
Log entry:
**1:43**
